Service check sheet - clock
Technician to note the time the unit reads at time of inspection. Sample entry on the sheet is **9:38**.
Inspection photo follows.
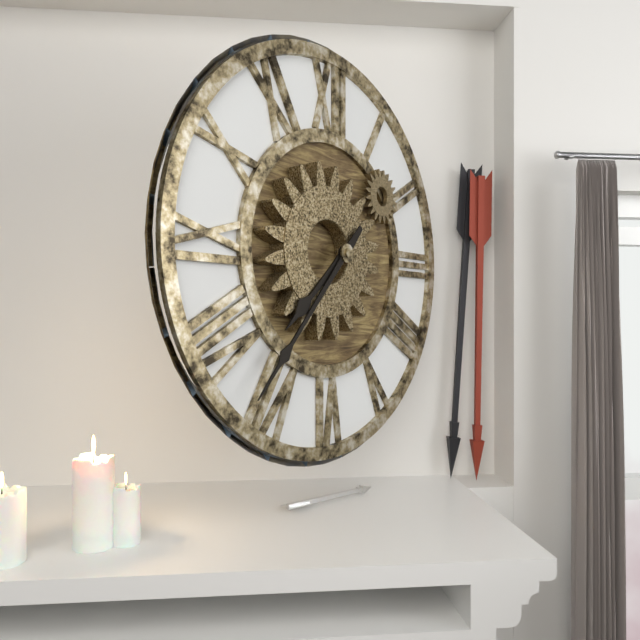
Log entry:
**7:37**
